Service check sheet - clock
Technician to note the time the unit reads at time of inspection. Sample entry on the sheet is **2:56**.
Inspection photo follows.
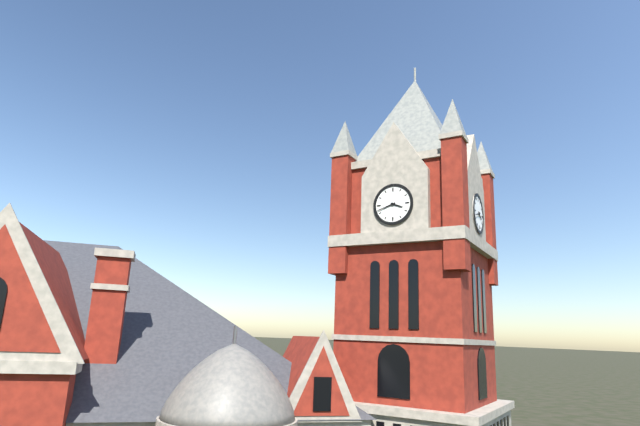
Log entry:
**3:42**
